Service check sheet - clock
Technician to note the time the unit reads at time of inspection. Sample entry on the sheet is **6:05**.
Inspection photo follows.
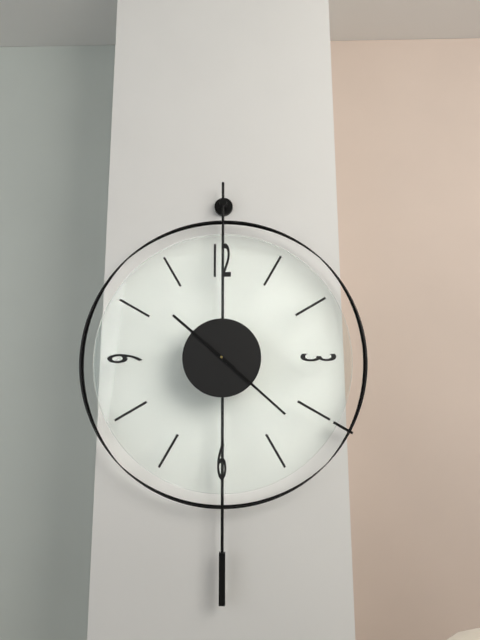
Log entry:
**10:22**
